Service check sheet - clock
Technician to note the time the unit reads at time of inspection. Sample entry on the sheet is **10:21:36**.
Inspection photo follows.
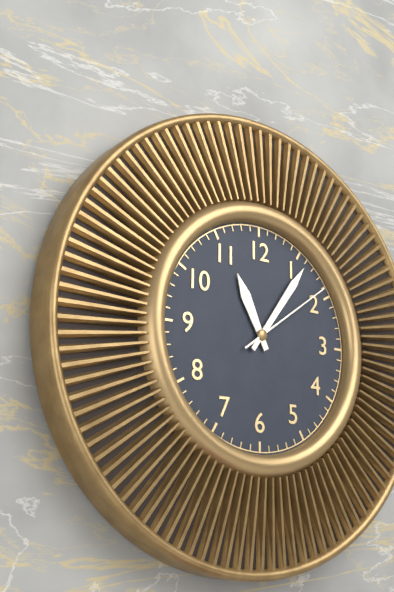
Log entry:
**11:06:09**
